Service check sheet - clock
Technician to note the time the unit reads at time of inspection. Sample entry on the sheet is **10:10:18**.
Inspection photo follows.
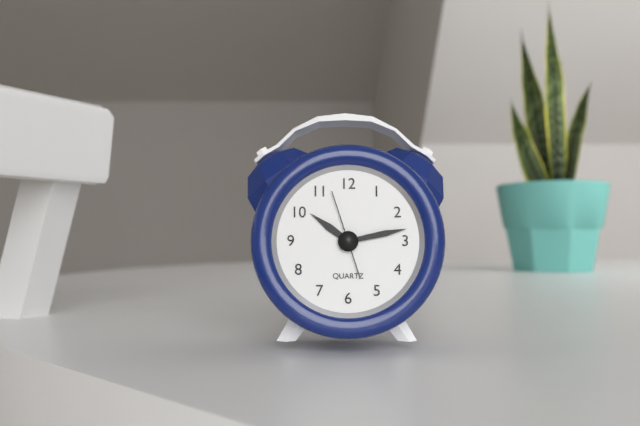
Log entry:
**10:13:57**
